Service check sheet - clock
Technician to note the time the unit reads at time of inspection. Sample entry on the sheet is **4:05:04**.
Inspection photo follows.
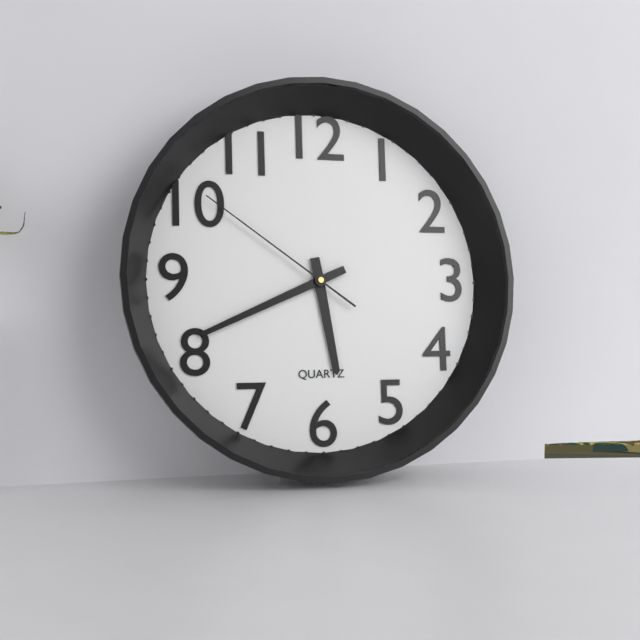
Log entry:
**5:41:51**
